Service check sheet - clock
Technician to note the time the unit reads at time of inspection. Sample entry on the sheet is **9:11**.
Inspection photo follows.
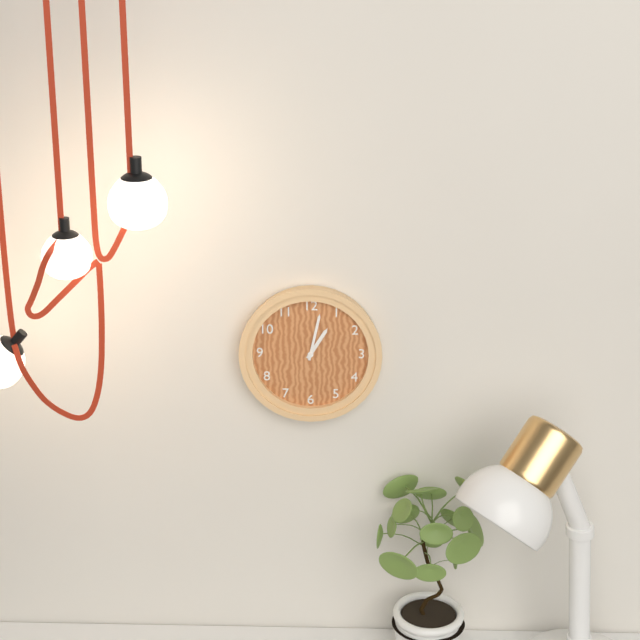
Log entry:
**1:02**
